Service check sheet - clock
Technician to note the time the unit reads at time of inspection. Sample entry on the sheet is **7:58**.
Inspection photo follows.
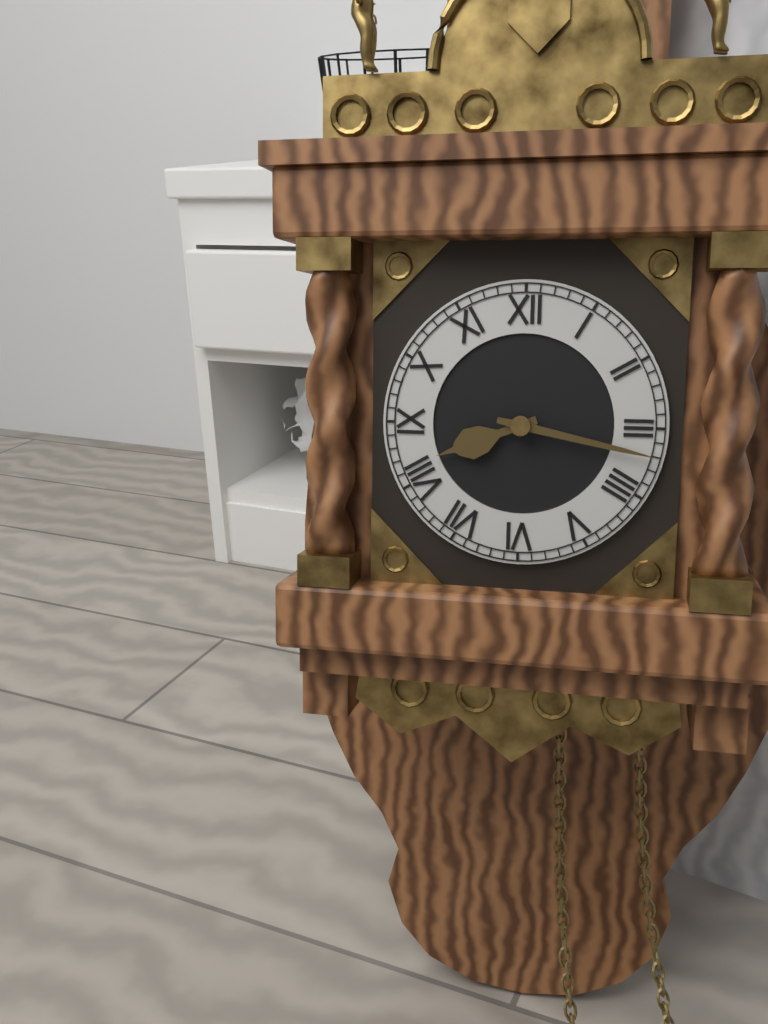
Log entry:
**8:17**
